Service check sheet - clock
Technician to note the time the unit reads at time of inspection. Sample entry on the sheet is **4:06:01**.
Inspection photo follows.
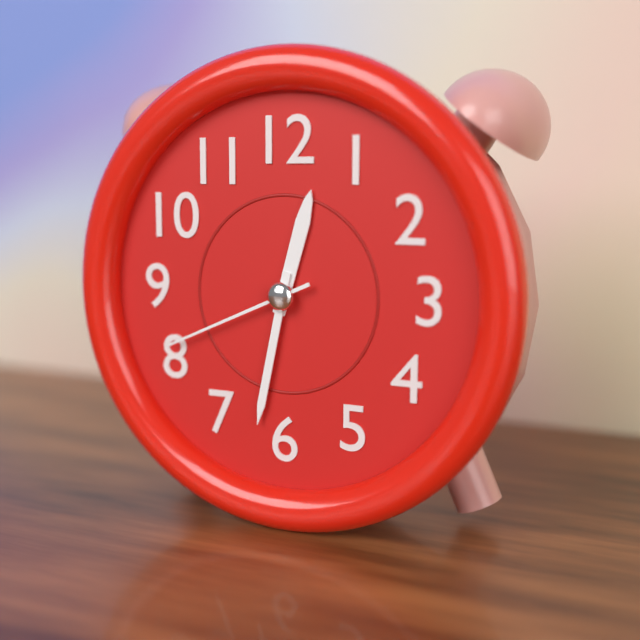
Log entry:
**12:32:41**
